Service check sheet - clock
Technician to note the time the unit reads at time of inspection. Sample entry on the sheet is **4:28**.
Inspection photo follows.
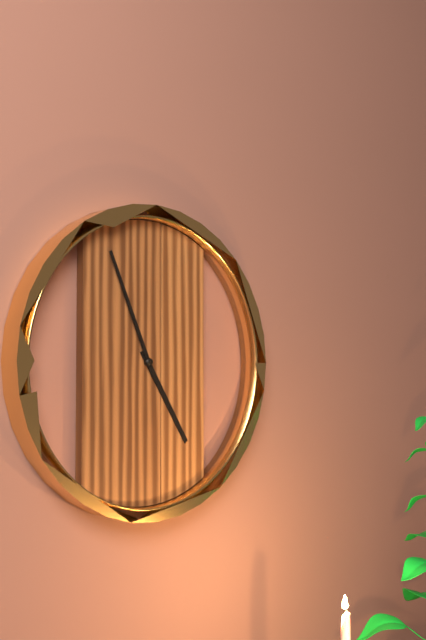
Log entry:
**4:56**
